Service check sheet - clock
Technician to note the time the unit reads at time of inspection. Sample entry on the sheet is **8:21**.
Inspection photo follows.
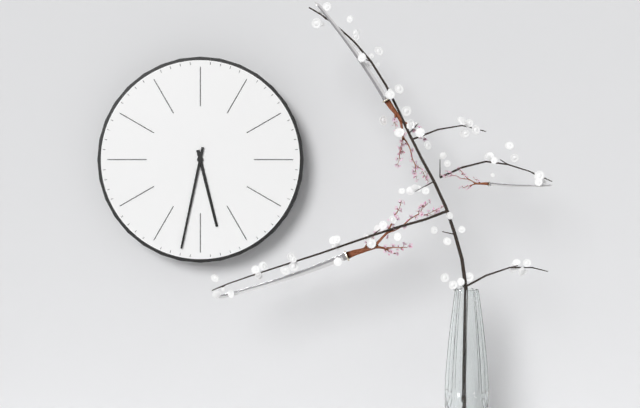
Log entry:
**5:32**
